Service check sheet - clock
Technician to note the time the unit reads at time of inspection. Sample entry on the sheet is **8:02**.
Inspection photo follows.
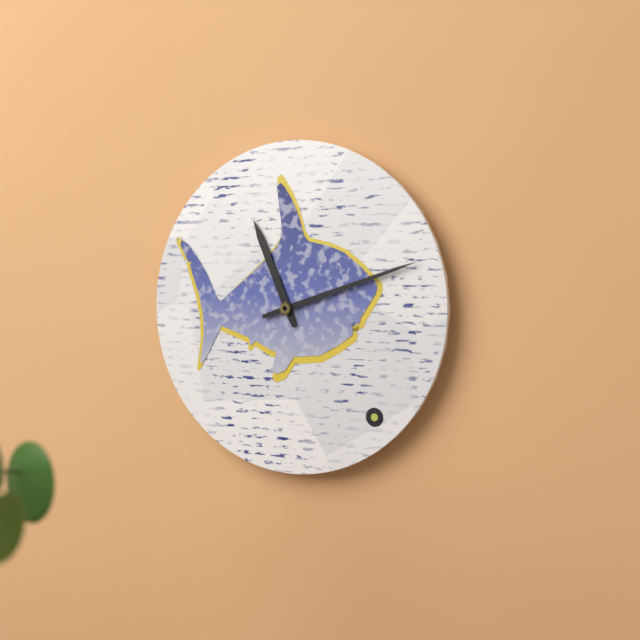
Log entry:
**11:12**
